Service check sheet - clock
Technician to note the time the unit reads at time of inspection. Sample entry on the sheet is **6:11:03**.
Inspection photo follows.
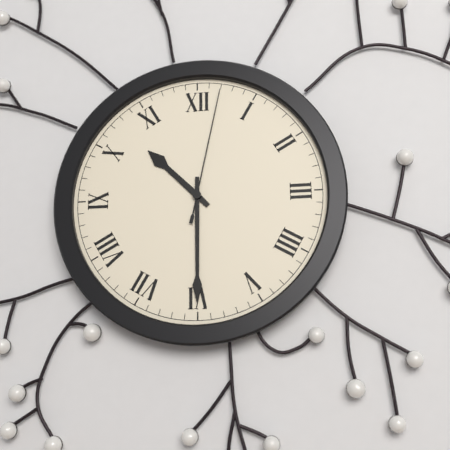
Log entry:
**10:30:02**
